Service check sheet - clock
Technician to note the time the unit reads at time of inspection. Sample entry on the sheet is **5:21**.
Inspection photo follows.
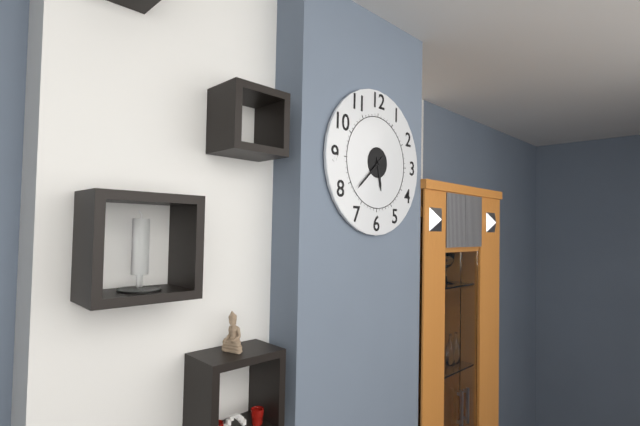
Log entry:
**5:38**
